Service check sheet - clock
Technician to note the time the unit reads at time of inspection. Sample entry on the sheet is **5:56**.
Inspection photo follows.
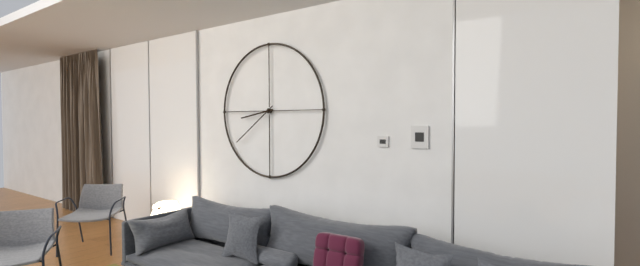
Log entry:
**8:39**
